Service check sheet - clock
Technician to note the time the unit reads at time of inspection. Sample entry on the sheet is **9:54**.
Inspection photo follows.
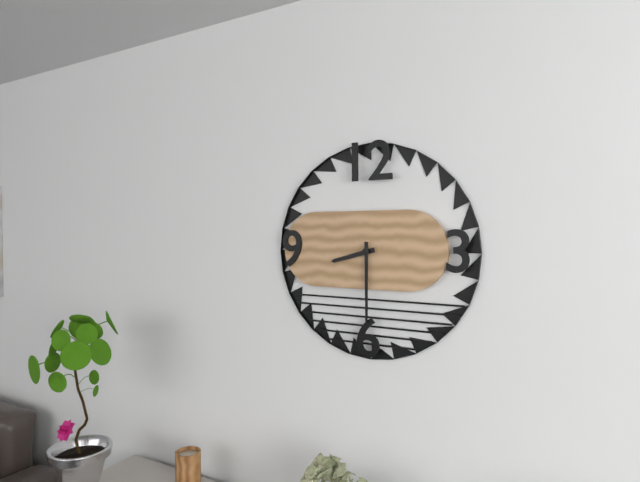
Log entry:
**8:30**
